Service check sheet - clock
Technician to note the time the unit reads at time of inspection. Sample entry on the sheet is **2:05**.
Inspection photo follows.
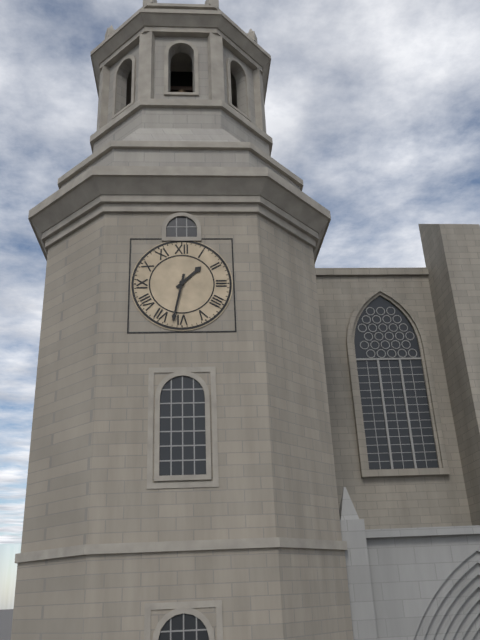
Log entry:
**1:32**
